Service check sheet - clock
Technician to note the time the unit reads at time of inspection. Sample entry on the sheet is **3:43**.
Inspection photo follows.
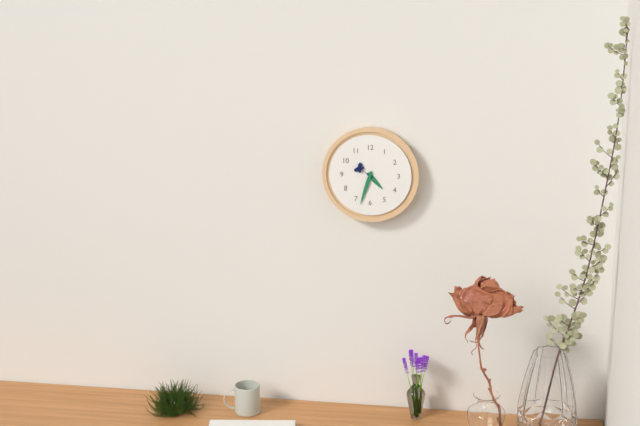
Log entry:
**4:33**
